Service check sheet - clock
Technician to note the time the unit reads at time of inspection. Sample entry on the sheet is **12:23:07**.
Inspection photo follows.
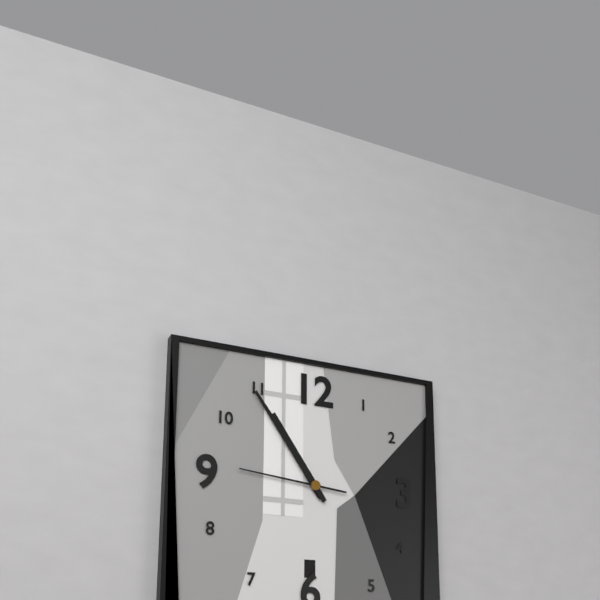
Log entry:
**10:54:46**
